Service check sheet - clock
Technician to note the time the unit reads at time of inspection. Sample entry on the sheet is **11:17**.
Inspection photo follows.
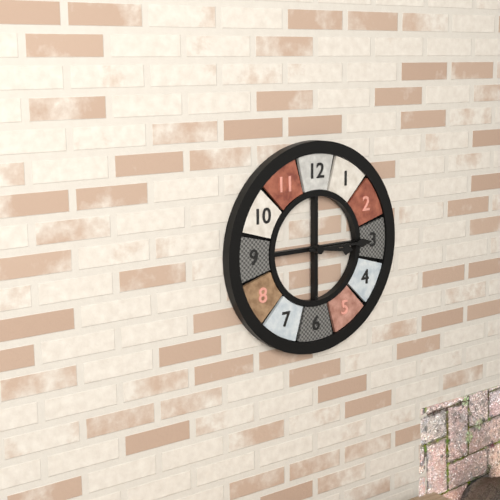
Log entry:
**3:15**
